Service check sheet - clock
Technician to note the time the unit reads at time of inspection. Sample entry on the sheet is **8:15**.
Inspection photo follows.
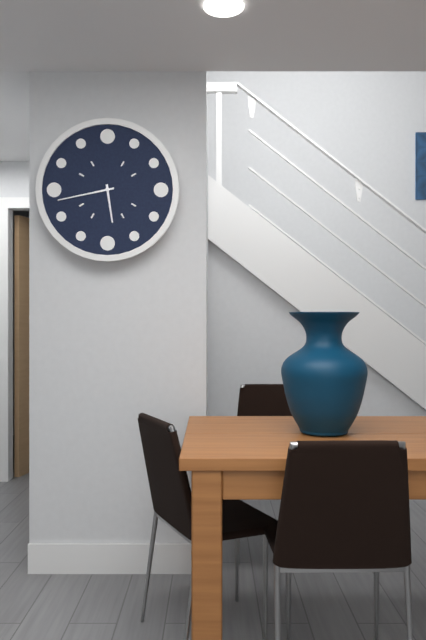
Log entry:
**5:43**
